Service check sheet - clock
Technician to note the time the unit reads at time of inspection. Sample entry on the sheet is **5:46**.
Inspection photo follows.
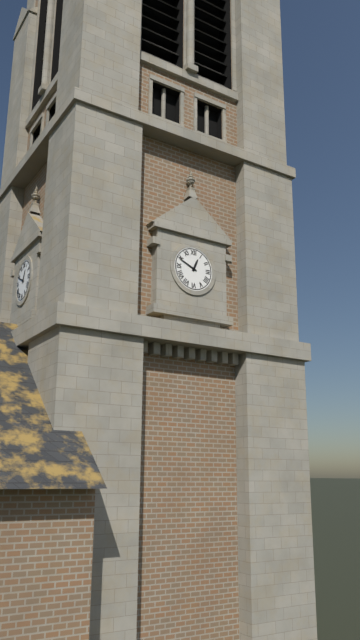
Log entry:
**12:49**
